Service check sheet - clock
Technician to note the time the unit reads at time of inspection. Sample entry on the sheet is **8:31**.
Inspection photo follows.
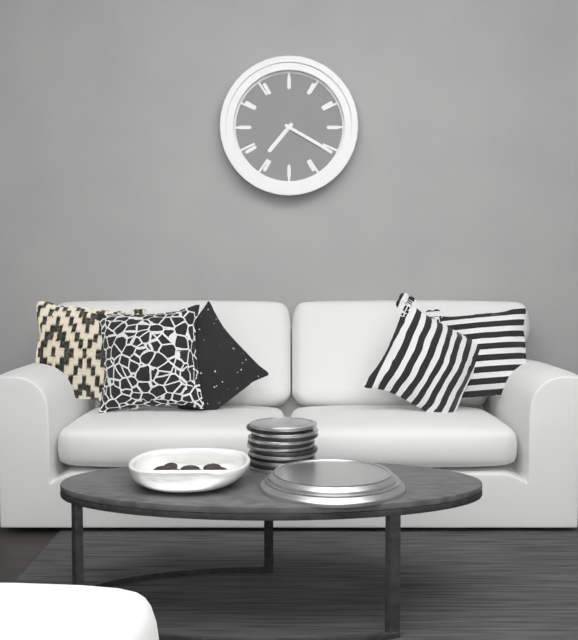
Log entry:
**7:20**
